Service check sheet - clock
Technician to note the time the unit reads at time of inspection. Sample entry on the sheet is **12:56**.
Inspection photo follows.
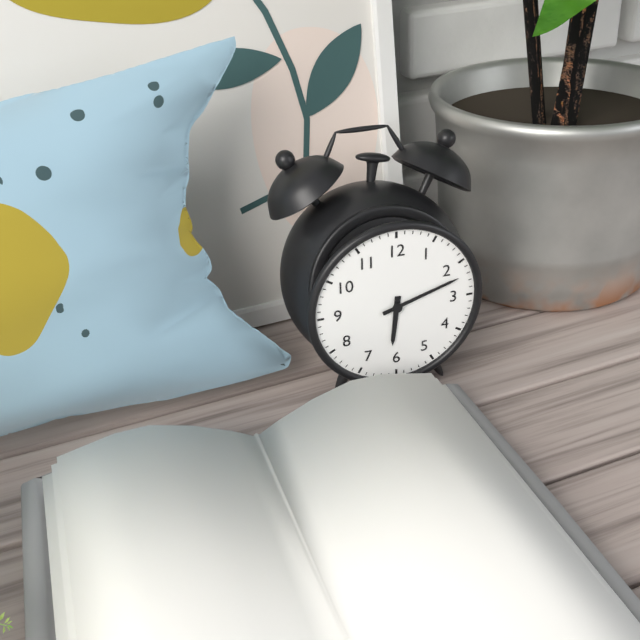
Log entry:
**6:12**
